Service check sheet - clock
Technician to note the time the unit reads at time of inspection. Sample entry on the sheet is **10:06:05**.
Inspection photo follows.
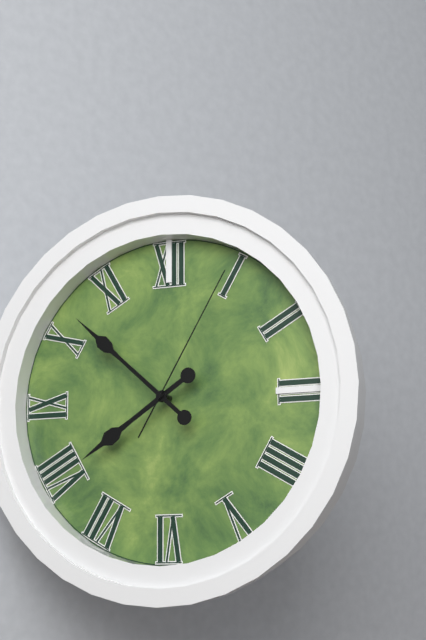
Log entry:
**7:52:05**
